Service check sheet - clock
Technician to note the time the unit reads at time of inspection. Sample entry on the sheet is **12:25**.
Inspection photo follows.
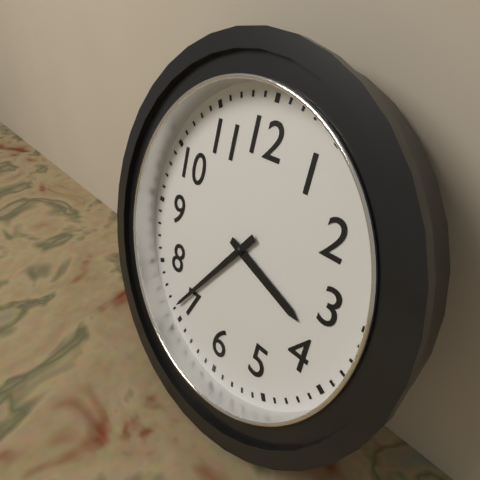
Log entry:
**3:36**
